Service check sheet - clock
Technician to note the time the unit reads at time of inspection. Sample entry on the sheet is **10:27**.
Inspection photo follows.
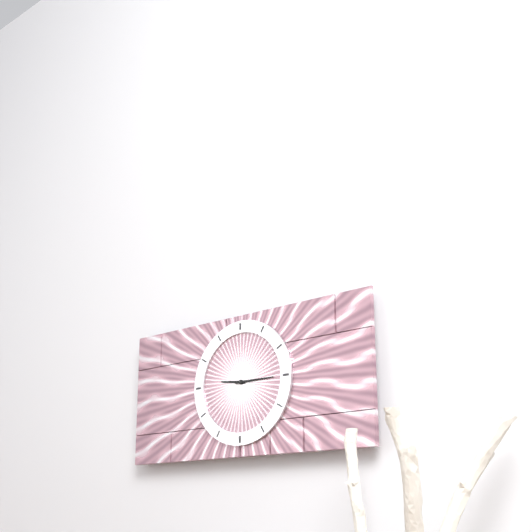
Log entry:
**9:15**
